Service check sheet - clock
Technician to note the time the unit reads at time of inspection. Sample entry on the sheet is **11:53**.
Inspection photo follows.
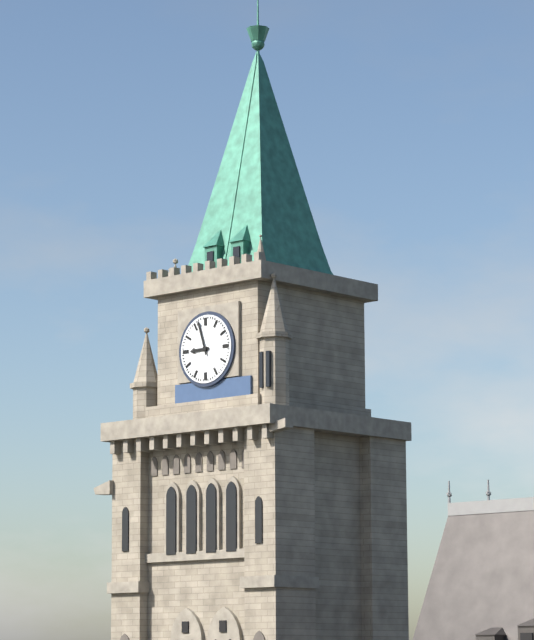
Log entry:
**8:57**
